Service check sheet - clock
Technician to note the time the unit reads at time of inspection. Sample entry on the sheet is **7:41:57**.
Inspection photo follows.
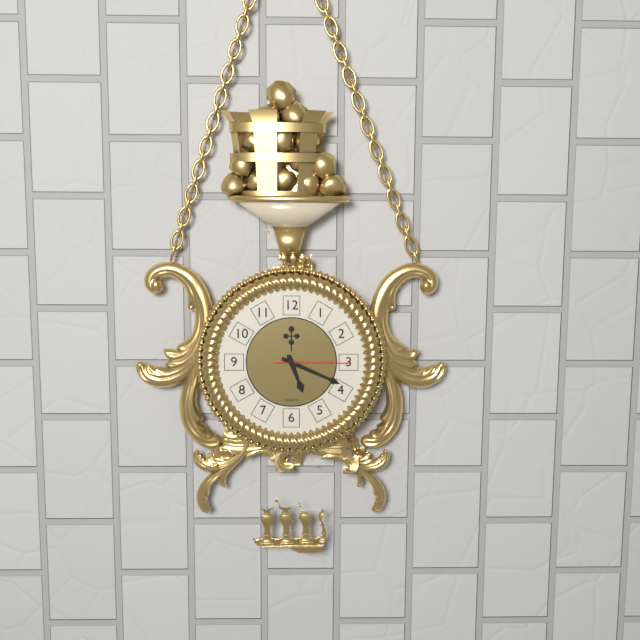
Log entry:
**5:19:15**
